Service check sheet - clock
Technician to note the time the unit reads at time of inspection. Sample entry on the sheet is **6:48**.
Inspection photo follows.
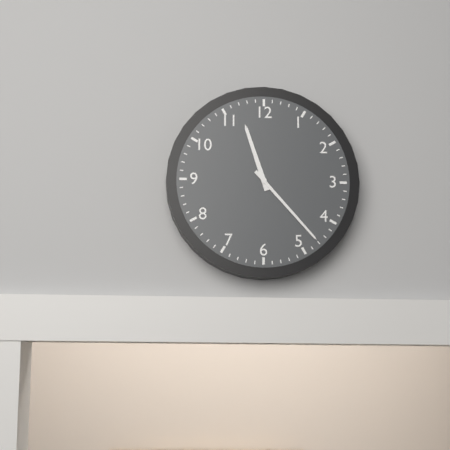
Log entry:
**11:23**
